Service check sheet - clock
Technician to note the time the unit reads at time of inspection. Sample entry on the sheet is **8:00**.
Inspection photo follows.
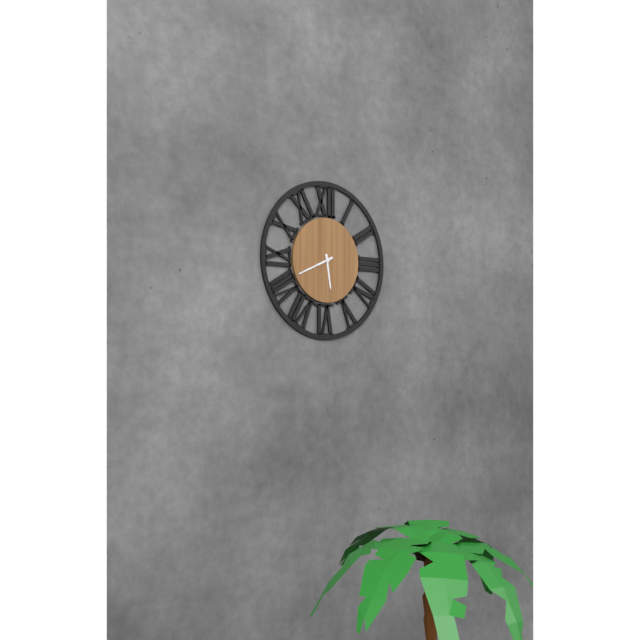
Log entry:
**5:41**
